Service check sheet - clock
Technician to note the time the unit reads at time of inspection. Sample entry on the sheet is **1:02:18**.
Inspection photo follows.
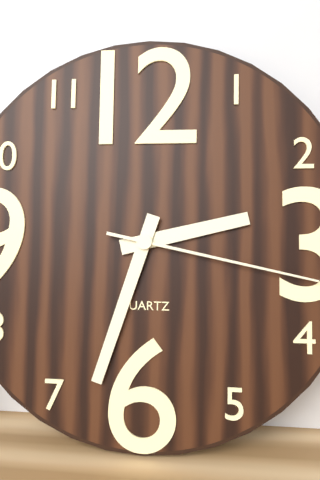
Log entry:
**2:33:17**
